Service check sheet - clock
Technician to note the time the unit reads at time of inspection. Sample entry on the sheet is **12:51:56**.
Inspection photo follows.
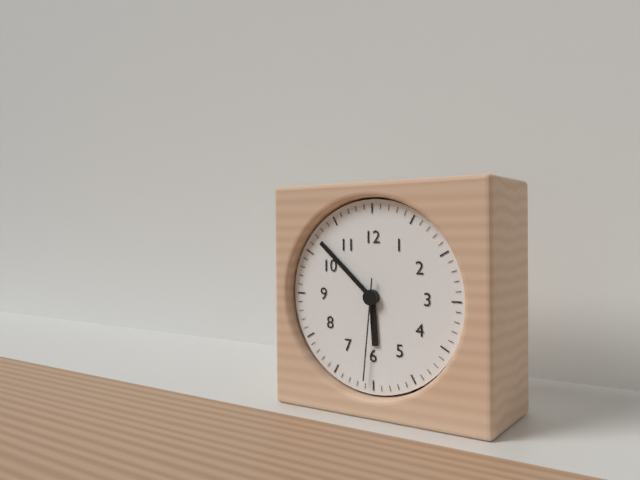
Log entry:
**5:52:31**
